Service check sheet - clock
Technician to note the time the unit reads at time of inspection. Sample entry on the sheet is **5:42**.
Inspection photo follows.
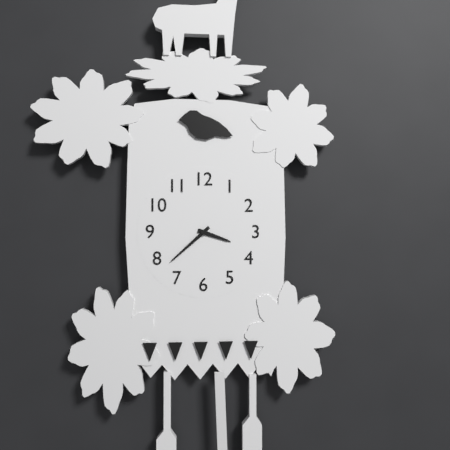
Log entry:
**3:38**
